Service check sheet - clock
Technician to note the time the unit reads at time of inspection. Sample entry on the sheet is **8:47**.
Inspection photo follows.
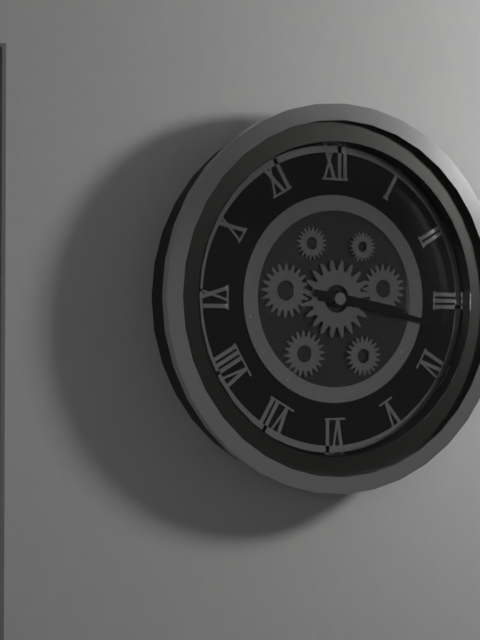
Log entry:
**3:17**
